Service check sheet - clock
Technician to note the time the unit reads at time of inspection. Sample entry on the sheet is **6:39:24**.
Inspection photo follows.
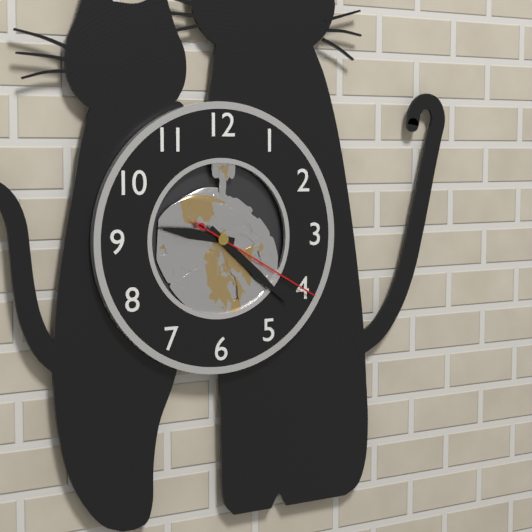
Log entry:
**9:22:20**
